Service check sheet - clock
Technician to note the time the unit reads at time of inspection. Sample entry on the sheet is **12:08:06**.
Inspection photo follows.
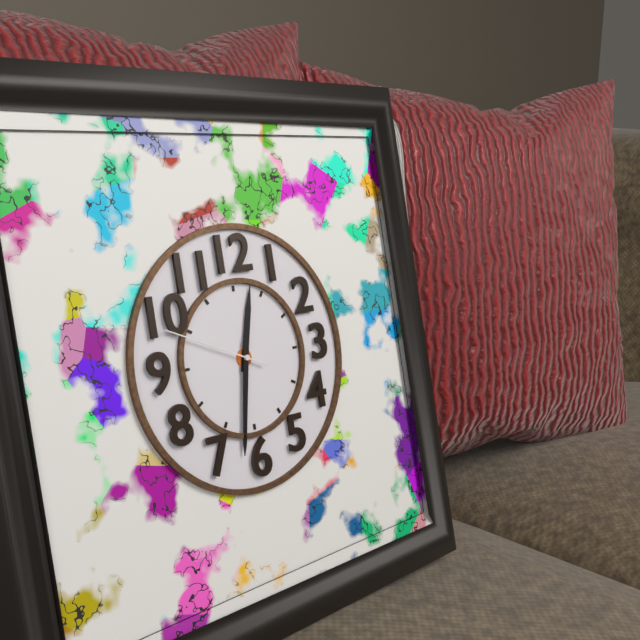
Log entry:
**12:32:49**
